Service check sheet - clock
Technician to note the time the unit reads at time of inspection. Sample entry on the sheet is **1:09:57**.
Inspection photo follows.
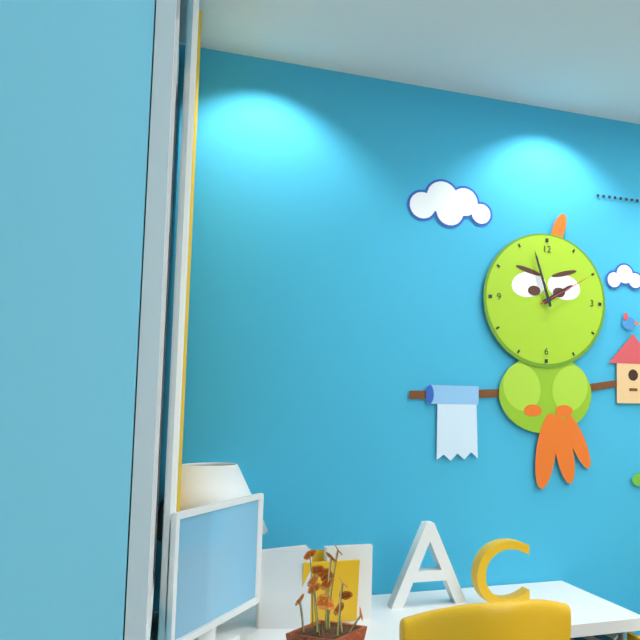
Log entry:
**1:57:10**
